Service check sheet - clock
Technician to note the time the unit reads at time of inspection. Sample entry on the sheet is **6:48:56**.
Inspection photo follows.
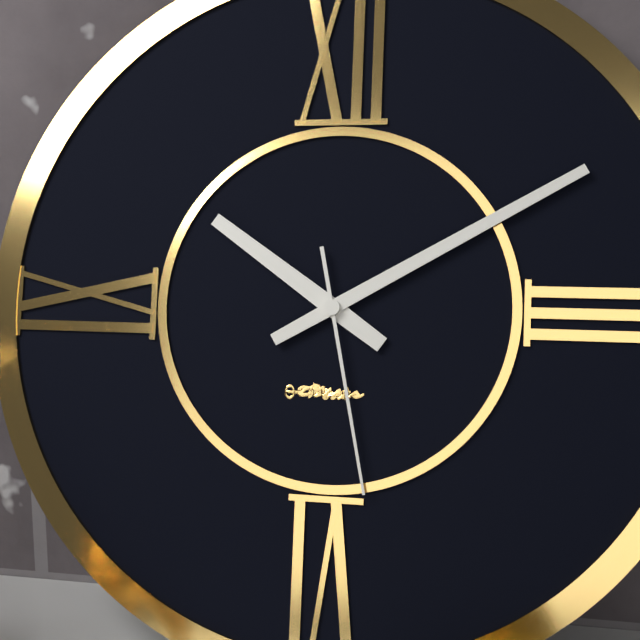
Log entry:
**10:10:28**
